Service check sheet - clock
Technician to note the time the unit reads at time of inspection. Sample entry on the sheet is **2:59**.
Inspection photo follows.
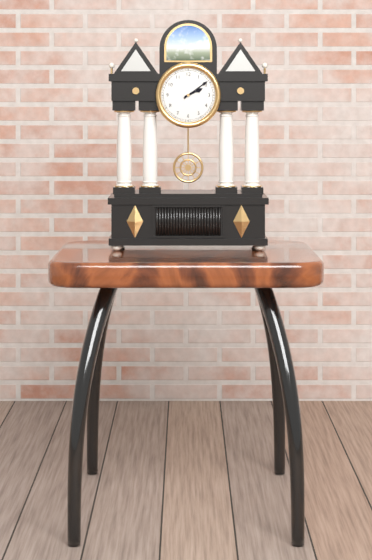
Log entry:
**2:09**
